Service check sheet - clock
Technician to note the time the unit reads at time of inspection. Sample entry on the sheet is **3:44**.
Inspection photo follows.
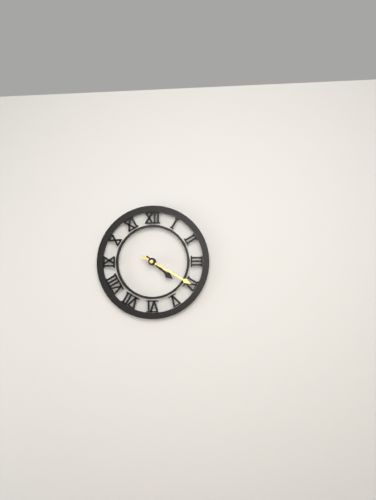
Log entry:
**4:20**
